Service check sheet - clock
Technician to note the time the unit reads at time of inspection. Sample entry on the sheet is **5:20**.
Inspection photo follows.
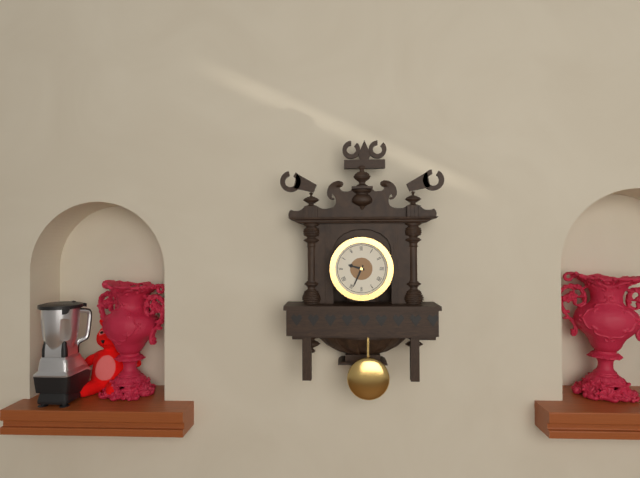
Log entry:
**9:34**
